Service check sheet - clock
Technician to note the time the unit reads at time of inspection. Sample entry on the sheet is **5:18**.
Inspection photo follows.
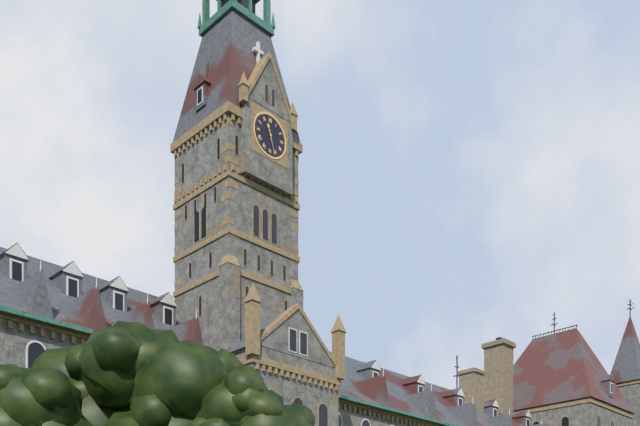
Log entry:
**11:27**
